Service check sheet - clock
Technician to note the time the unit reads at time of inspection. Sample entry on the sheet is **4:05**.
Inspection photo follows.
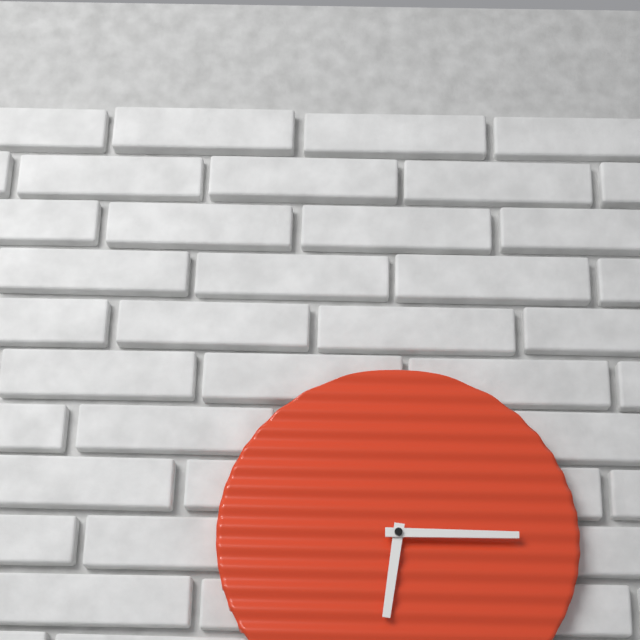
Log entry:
**6:15**
